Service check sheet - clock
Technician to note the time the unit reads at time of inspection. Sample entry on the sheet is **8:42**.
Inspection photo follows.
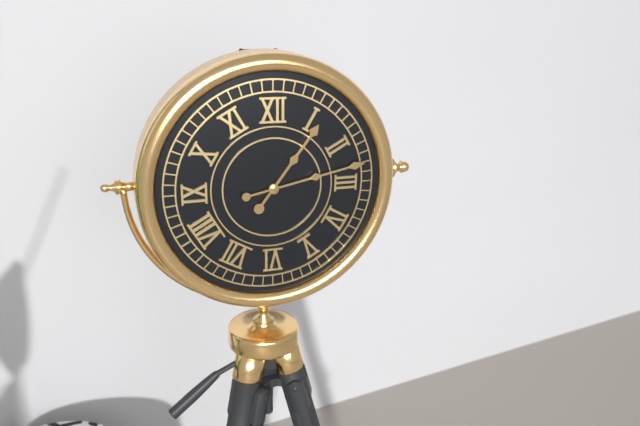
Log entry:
**1:13**
